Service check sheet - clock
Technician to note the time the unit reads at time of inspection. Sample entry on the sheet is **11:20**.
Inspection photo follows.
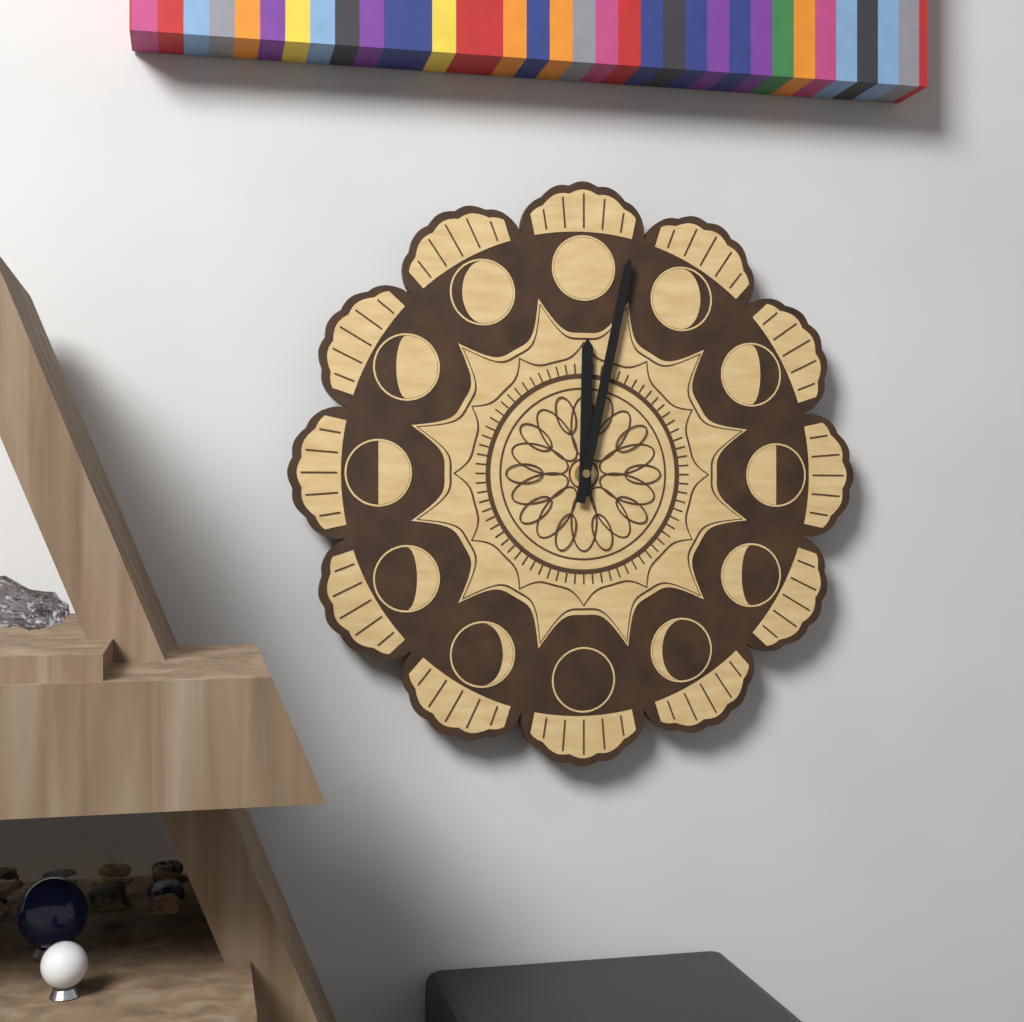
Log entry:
**12:02**
